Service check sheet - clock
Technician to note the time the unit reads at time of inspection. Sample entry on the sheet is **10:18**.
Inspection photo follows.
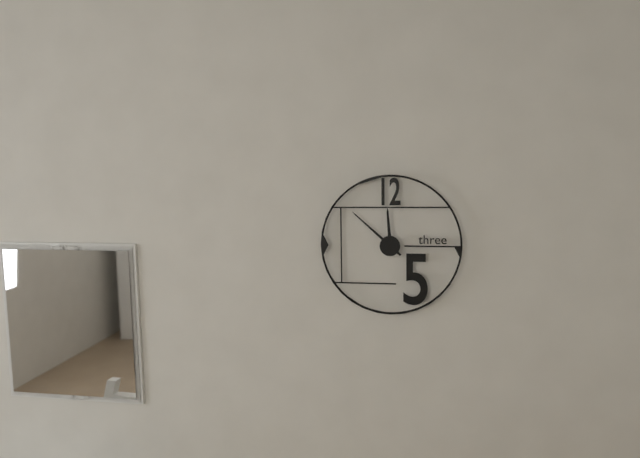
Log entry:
**11:52**
